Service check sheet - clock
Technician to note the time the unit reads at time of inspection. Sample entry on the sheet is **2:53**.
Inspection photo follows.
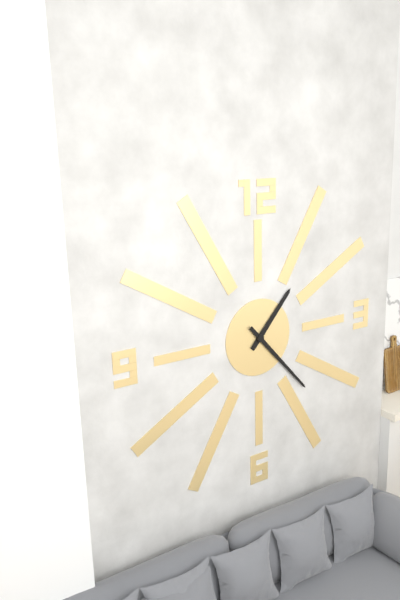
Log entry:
**1:23**
